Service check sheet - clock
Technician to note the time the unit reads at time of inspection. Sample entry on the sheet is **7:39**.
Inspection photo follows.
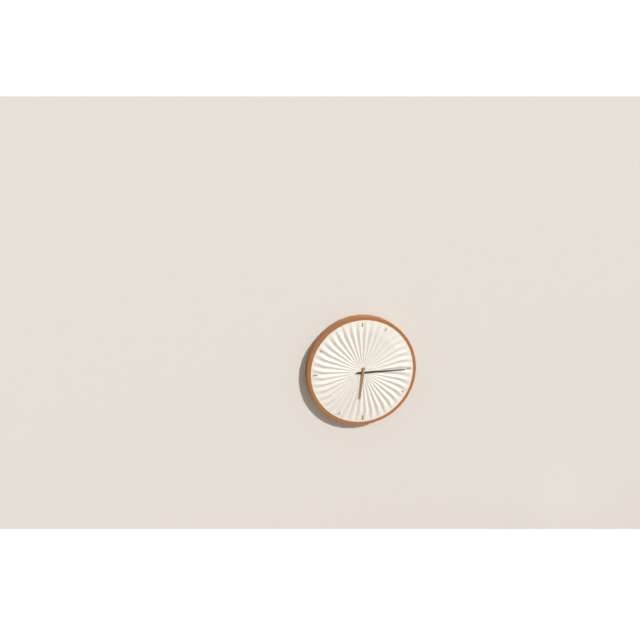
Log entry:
**6:15**
